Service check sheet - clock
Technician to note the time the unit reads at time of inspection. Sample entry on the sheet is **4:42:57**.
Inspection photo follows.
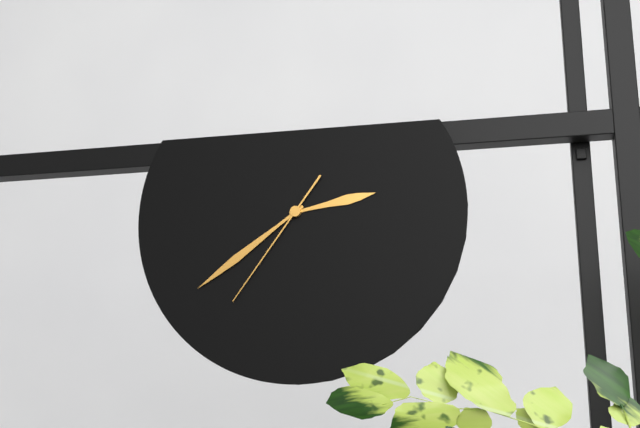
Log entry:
**2:39:36**
